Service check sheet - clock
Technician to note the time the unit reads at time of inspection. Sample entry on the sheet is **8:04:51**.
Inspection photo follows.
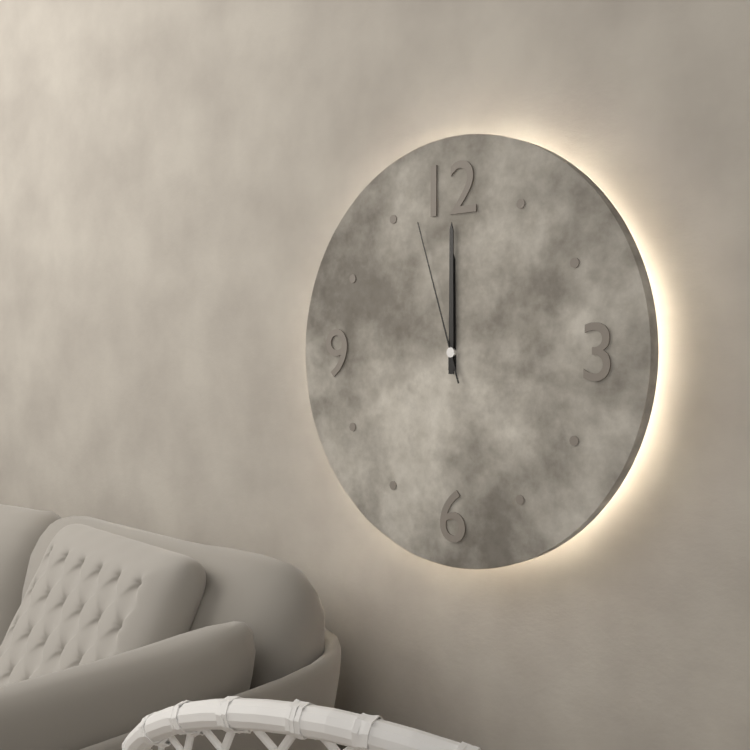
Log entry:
**12:00:57**
